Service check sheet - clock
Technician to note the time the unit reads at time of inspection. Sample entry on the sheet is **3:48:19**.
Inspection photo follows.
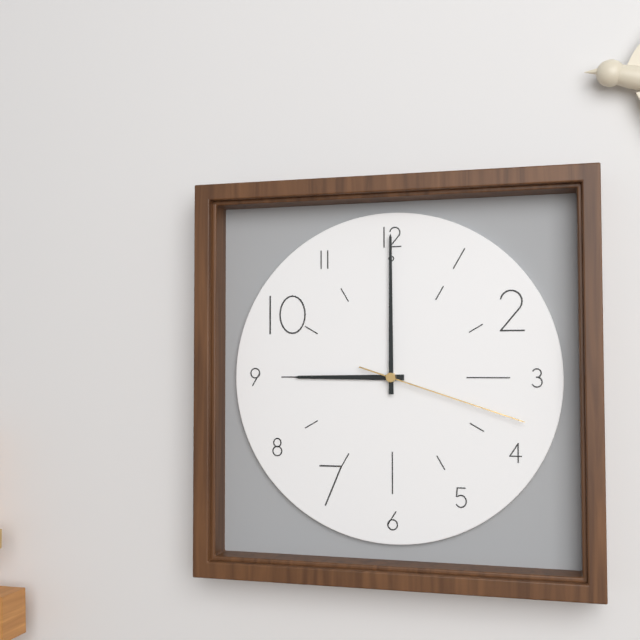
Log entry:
**9:00:18**
